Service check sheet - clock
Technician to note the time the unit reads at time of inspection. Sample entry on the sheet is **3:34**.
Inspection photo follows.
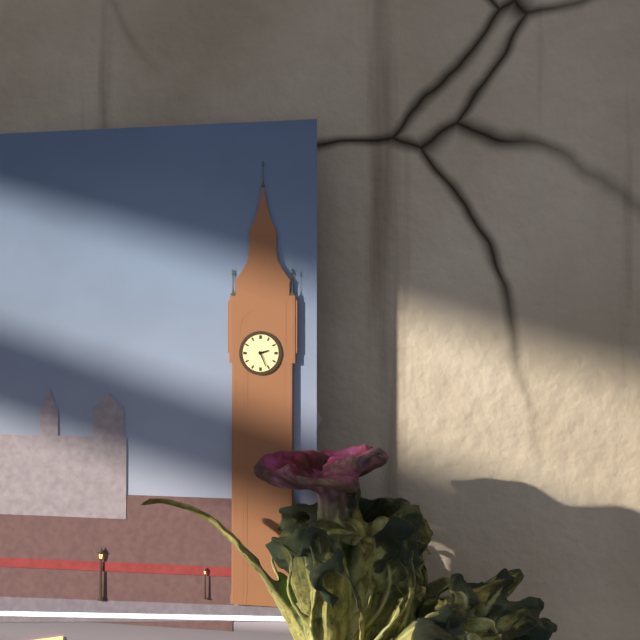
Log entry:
**2:26**
